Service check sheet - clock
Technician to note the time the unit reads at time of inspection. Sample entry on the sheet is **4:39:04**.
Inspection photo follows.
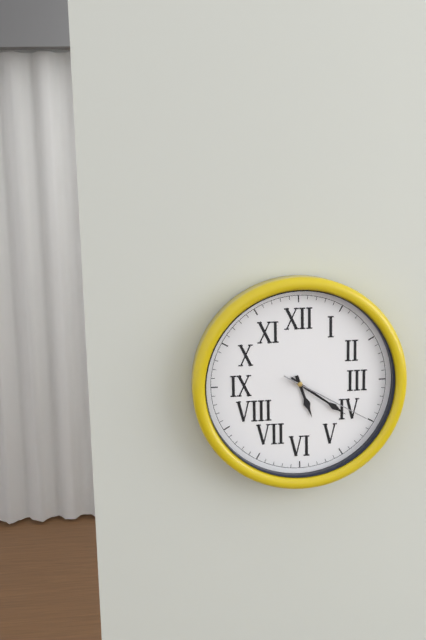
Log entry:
**5:21:20**
